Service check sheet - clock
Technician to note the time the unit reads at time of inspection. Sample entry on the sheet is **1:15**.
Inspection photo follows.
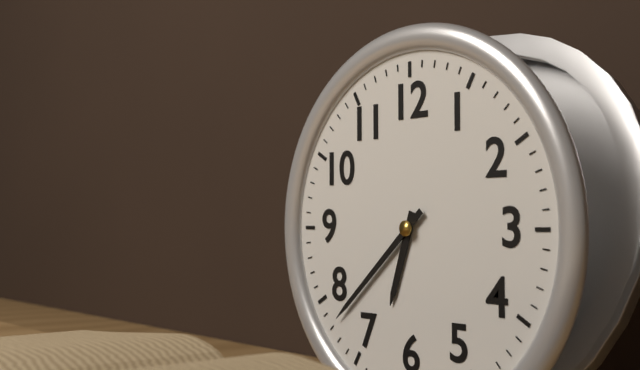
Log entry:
**6:38**
